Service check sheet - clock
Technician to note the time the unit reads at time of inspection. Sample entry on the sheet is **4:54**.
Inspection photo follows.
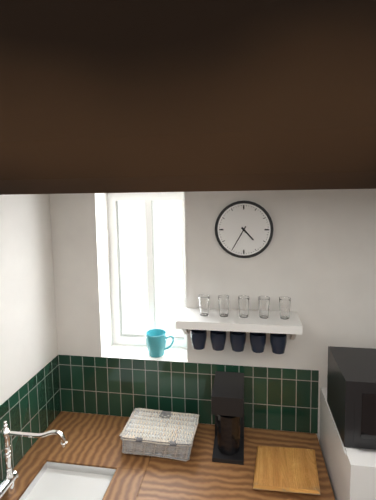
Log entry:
**4:35**
